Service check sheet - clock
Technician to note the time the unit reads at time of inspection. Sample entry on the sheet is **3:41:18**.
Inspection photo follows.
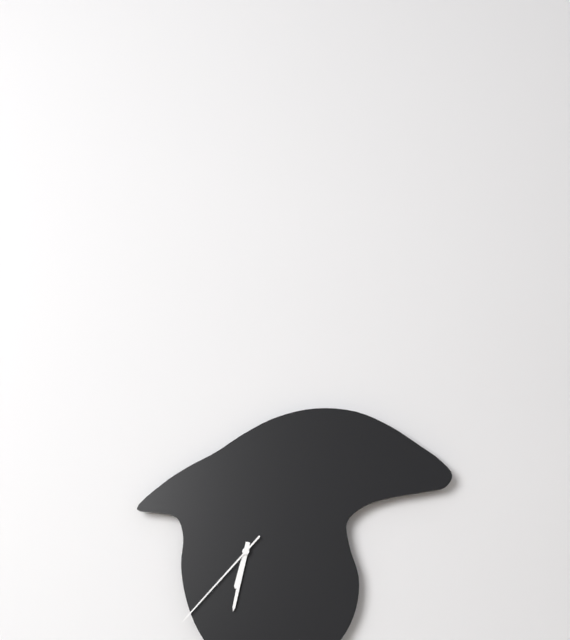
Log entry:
**6:32:37**
